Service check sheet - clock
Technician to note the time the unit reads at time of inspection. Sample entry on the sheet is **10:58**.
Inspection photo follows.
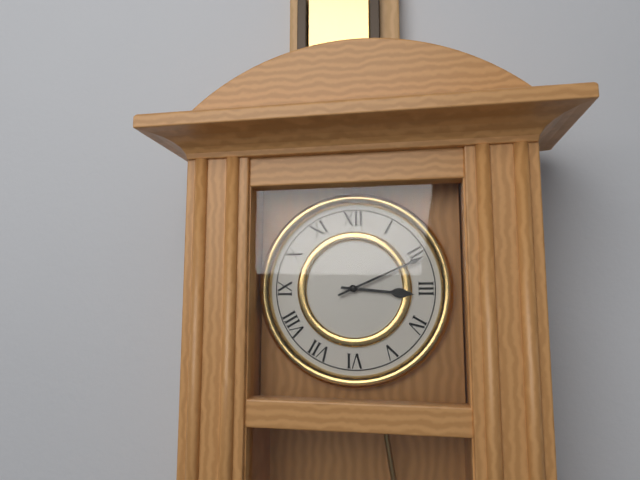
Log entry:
**3:11**
